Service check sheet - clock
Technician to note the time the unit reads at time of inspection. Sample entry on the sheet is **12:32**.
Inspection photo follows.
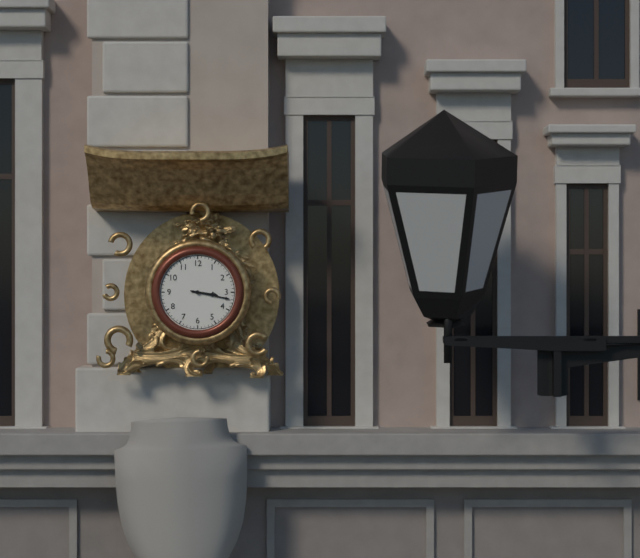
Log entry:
**3:17**
